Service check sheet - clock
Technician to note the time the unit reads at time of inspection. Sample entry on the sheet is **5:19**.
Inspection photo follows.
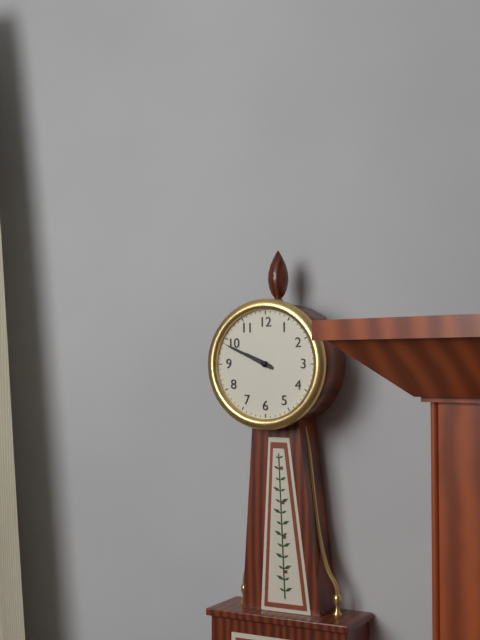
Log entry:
**9:49**
